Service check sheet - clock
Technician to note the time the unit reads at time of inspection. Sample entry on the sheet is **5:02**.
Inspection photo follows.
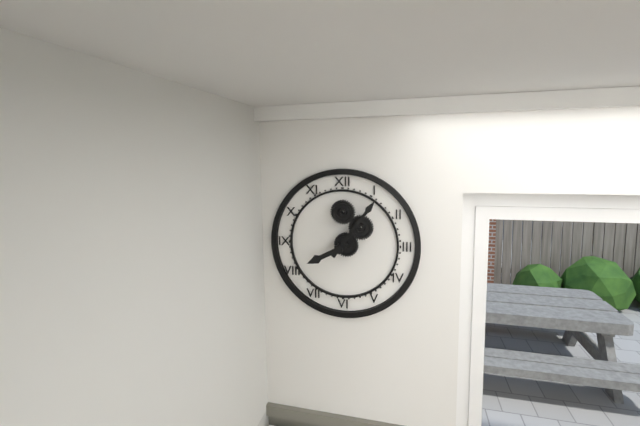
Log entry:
**8:06**
